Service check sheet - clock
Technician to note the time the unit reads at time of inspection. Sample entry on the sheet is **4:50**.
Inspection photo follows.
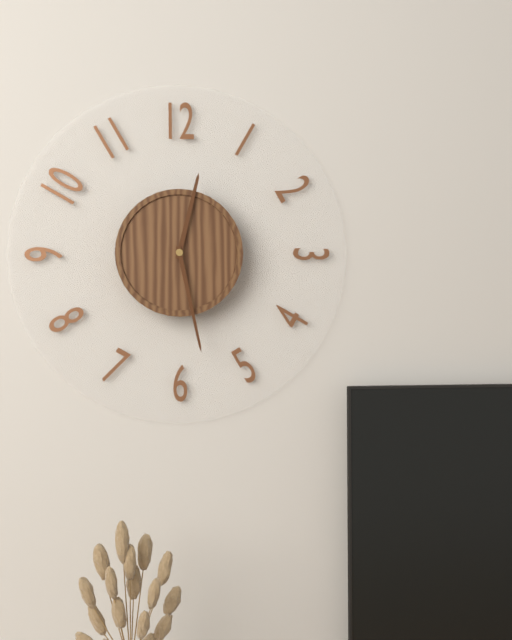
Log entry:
**12:28**
